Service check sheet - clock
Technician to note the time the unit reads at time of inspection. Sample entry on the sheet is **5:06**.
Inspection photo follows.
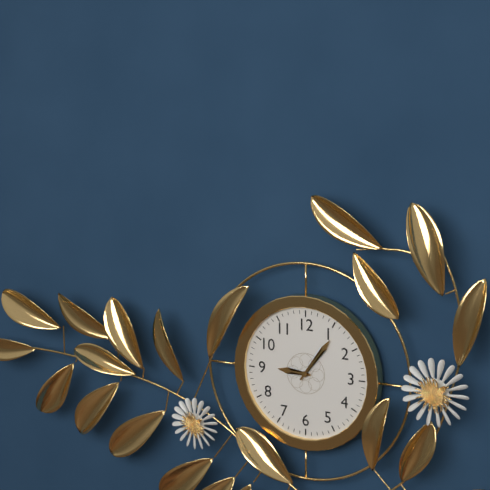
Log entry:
**9:06**
